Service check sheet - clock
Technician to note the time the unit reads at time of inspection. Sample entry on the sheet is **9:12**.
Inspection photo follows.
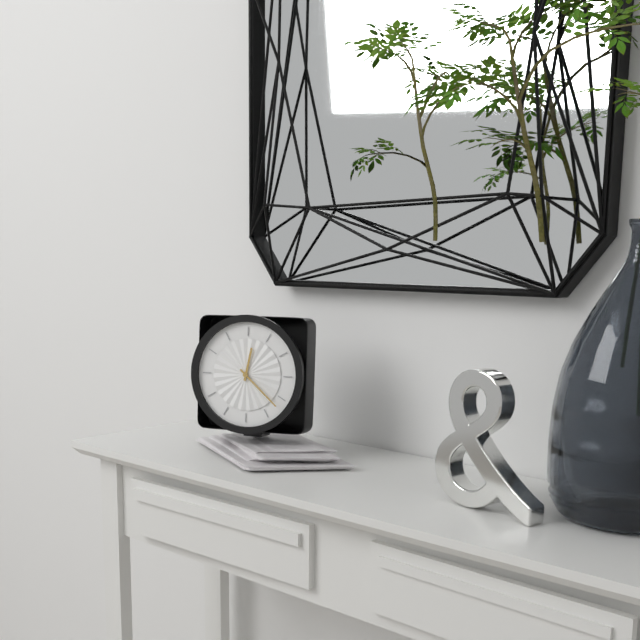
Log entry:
**12:22**
